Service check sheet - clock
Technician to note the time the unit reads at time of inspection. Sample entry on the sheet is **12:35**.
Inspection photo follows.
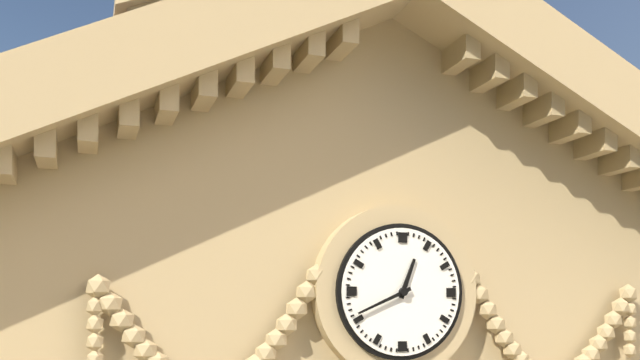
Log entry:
**12:41**
